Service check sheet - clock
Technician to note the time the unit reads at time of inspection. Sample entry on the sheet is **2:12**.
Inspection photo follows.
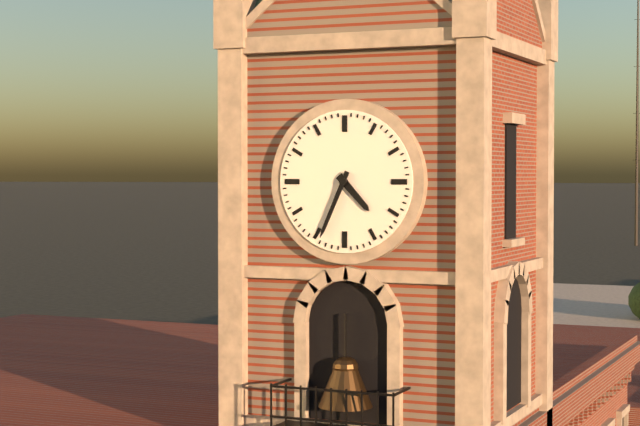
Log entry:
**4:34**
